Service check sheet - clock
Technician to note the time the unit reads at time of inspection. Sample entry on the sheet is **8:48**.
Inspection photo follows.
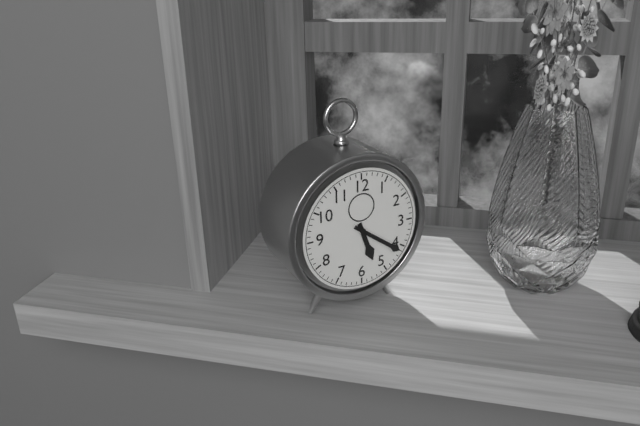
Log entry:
**5:21**
